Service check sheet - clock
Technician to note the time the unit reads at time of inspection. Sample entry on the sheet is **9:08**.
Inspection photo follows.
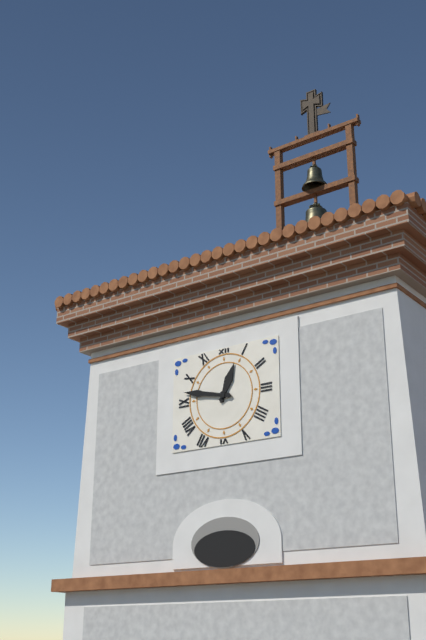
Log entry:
**12:47**
